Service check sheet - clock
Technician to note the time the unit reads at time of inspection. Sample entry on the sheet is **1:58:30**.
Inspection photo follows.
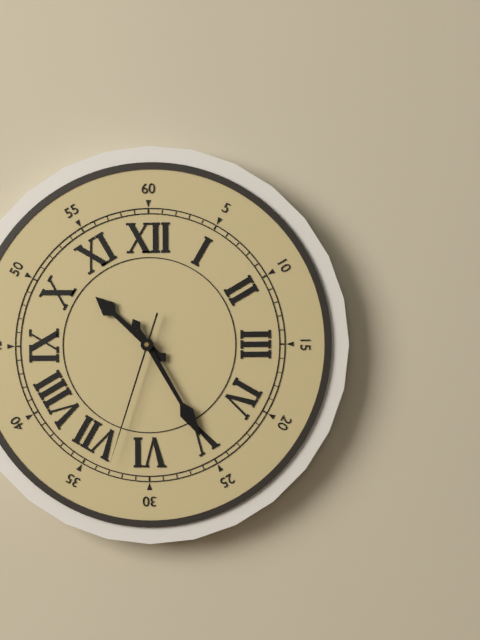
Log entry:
**10:25:33**
